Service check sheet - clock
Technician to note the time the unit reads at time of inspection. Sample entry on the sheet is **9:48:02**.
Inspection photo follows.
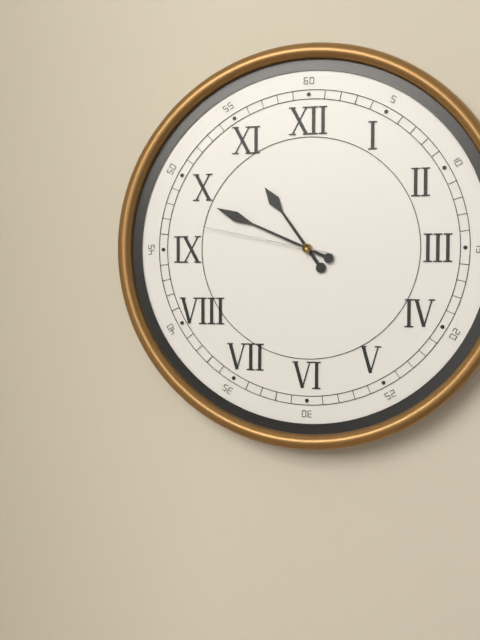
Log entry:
**10:49:47**
